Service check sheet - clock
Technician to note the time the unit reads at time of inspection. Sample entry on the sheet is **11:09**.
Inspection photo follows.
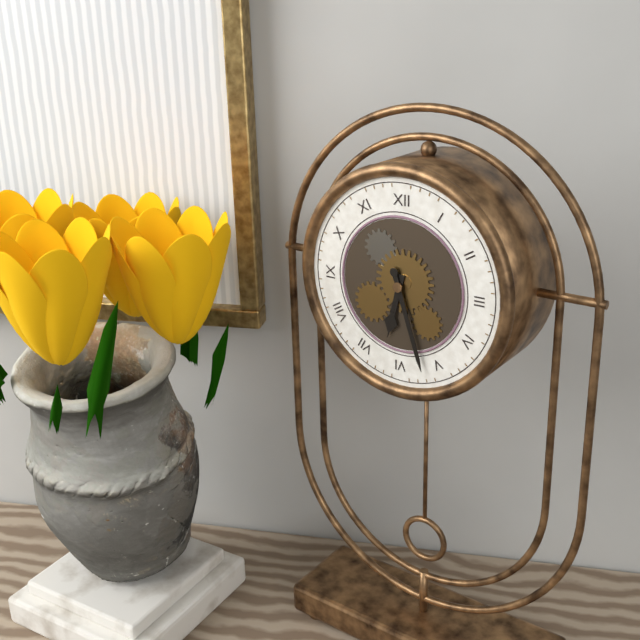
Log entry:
**6:27**
